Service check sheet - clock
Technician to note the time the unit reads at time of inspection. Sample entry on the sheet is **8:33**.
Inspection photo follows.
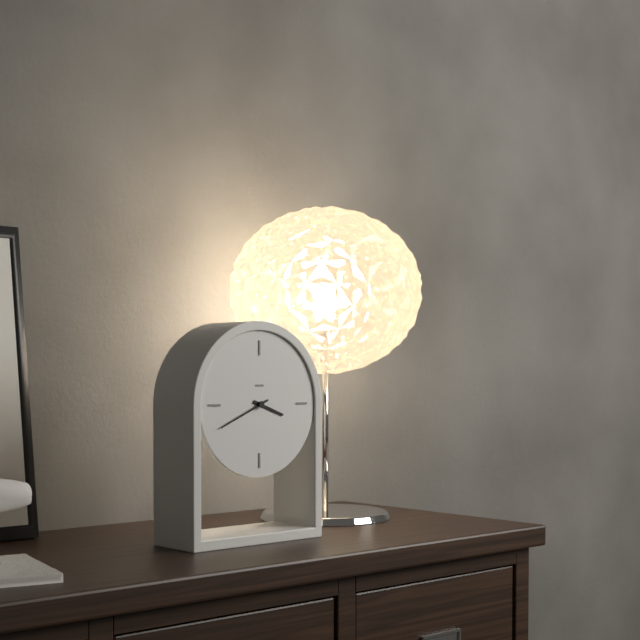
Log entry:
**3:41**
